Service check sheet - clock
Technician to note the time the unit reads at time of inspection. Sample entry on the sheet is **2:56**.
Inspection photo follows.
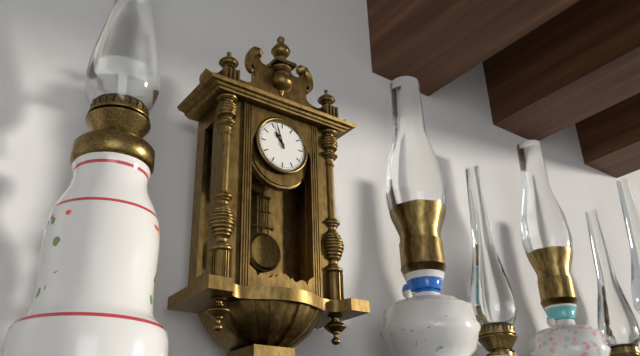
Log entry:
**10:57**
